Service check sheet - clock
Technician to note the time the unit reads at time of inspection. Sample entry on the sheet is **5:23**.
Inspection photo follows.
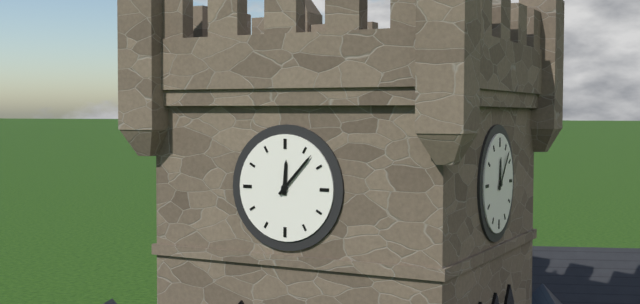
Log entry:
**12:07**
